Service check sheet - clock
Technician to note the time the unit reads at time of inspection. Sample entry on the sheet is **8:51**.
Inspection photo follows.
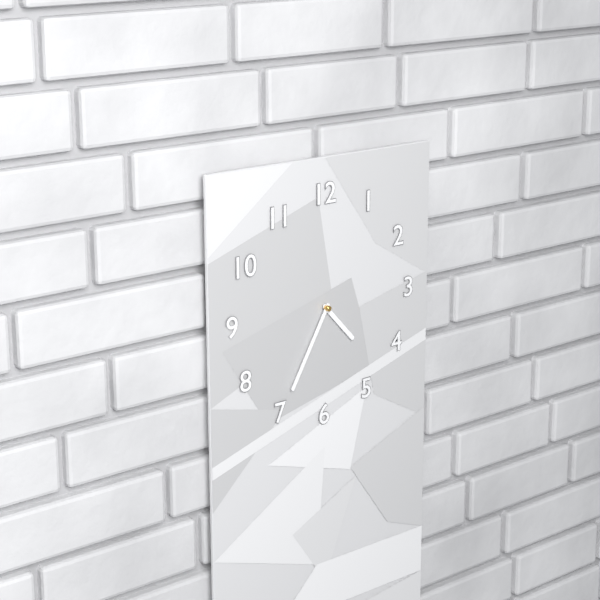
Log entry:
**4:35**
